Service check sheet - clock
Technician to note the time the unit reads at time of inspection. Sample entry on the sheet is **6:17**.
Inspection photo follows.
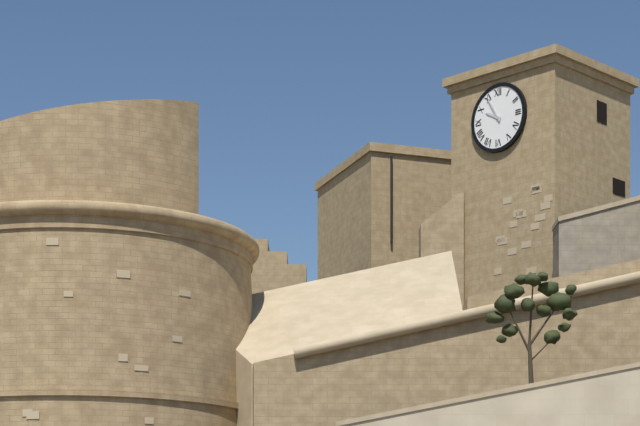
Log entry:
**9:55**
